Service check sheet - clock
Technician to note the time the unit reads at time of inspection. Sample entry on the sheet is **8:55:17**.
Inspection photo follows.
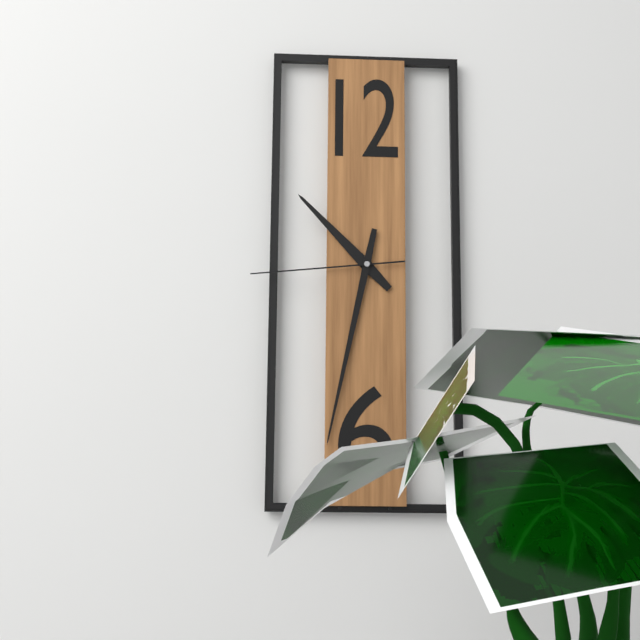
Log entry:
**10:32:44**
